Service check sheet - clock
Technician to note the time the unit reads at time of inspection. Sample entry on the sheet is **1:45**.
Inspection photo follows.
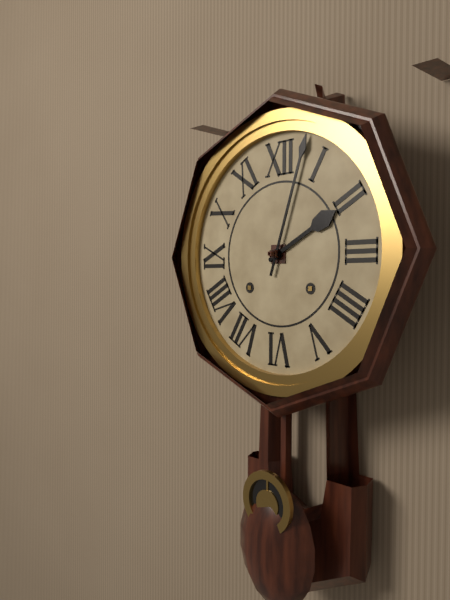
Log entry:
**2:03**
